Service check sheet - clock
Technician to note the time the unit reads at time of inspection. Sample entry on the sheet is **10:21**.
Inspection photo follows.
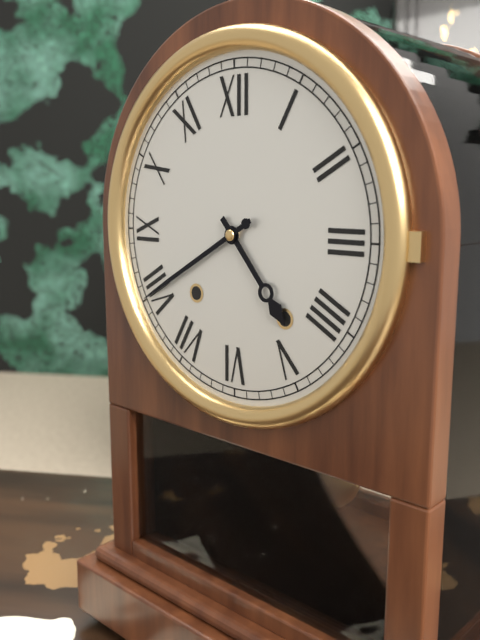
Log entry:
**4:40**
